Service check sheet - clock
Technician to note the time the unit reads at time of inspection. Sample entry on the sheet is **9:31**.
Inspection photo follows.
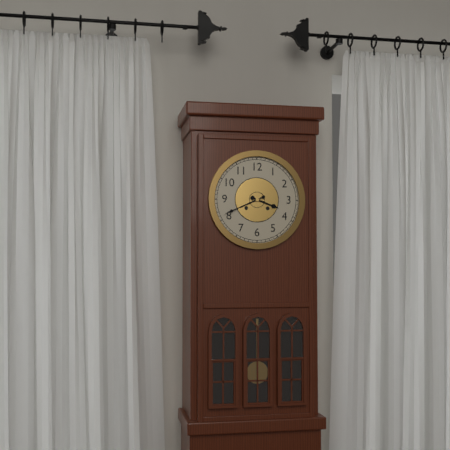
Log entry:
**3:41**
